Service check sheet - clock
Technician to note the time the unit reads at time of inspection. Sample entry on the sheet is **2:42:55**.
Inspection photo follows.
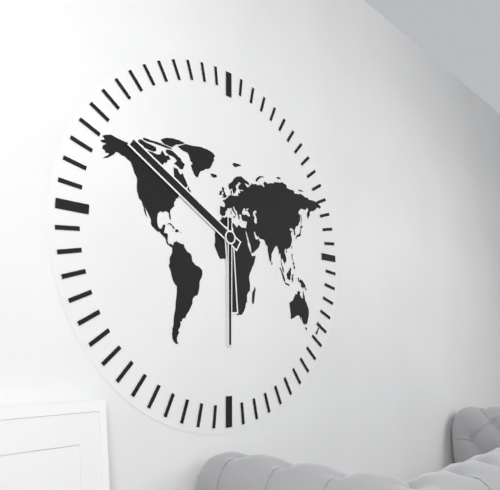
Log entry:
**5:50:30**
